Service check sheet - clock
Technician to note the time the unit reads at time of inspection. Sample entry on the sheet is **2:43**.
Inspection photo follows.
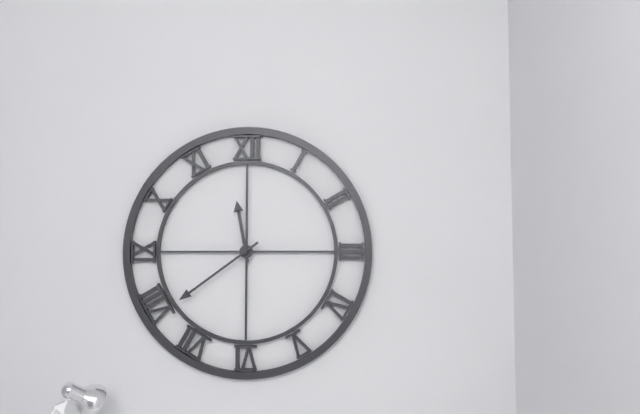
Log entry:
**11:39**
